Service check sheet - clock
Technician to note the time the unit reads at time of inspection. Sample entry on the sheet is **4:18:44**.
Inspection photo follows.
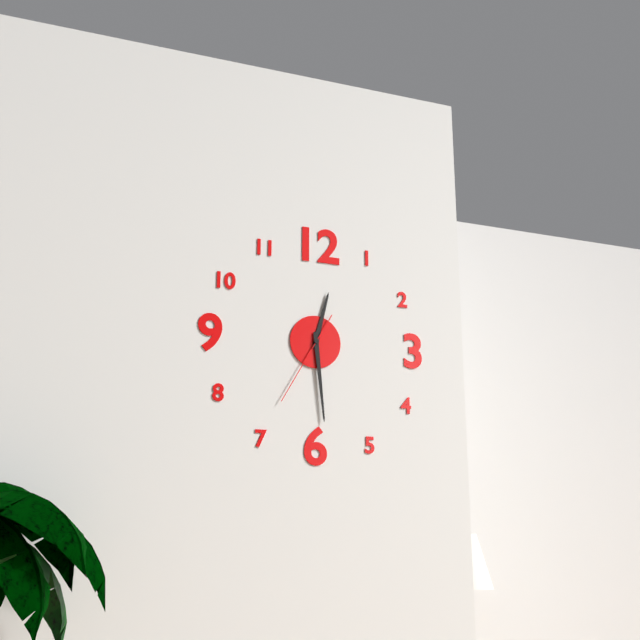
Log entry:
**12:29:35**
